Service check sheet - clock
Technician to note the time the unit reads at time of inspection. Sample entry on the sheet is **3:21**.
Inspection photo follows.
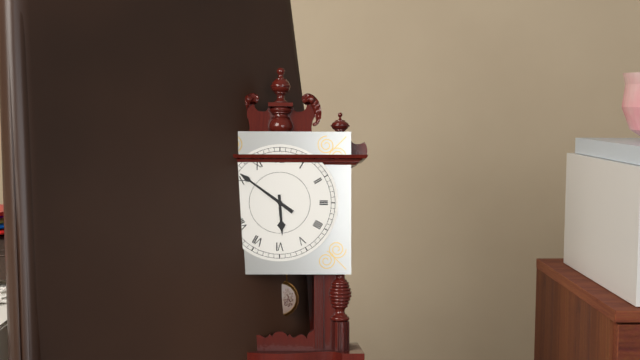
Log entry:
**5:51**
